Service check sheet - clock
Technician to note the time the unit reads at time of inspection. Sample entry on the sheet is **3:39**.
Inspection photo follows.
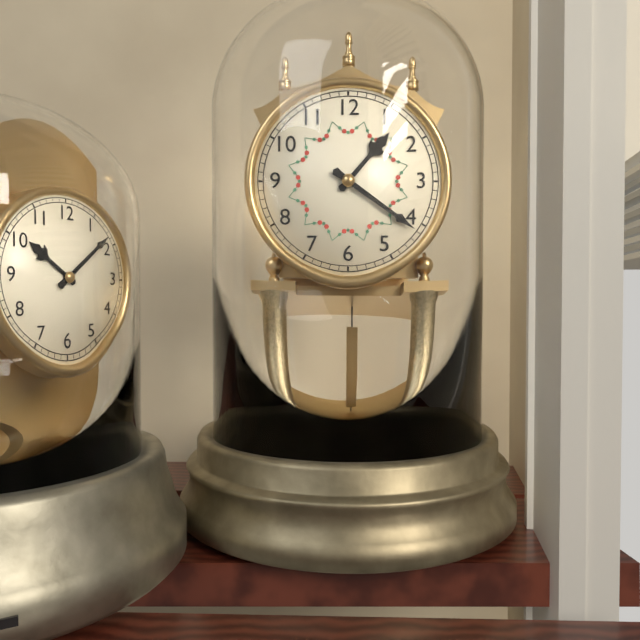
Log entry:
**1:21**
